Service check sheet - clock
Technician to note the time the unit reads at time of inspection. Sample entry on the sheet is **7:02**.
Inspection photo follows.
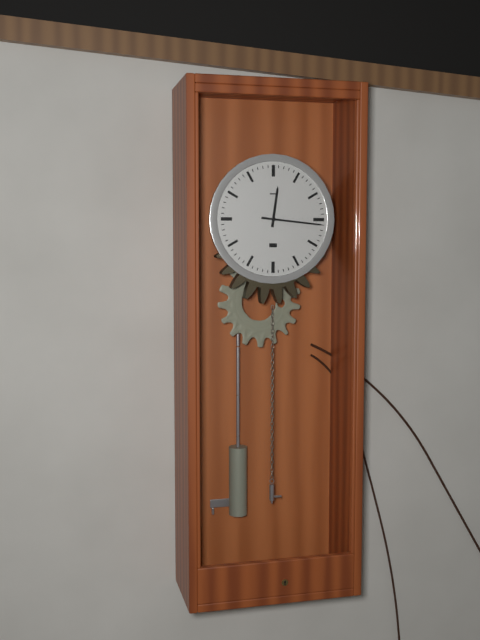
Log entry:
**12:16**
